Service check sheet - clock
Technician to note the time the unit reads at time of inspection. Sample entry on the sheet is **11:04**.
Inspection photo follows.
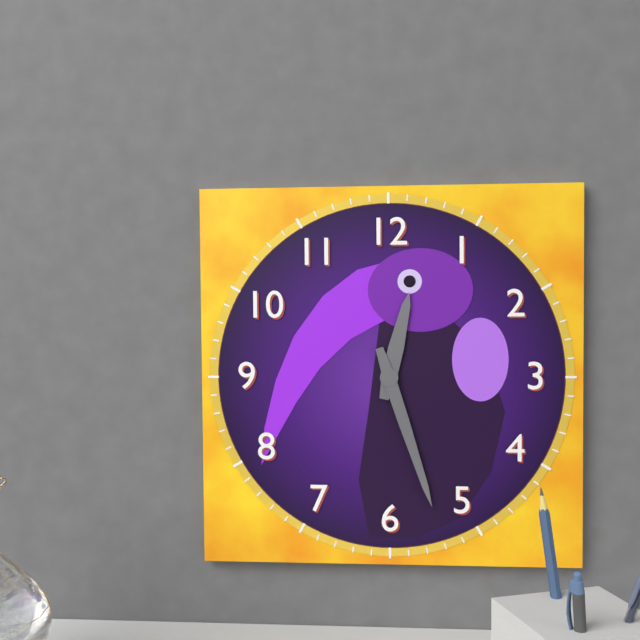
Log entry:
**12:27**
